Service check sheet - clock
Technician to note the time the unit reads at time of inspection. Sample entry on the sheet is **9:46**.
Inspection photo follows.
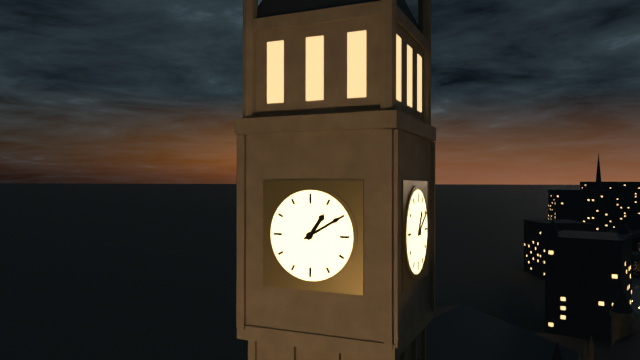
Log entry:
**1:10**
